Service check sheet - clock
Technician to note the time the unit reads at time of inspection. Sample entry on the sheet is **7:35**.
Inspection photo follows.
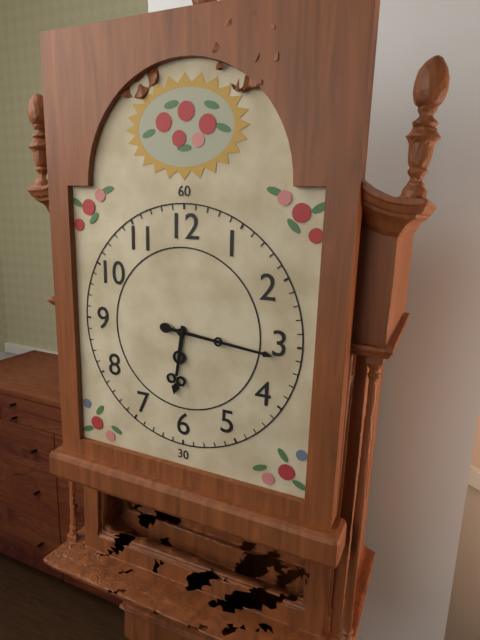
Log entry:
**6:16**
